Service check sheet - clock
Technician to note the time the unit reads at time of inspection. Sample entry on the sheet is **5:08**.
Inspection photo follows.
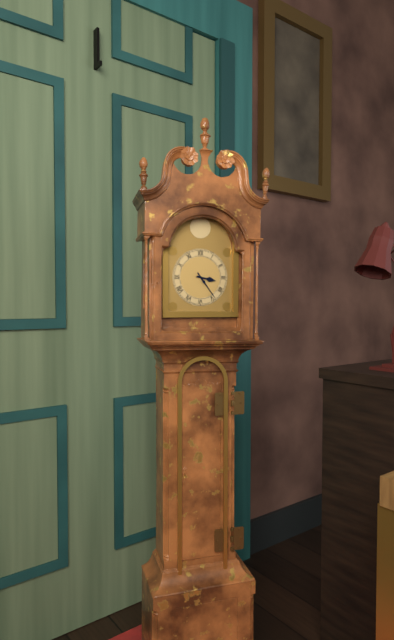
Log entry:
**3:24**
